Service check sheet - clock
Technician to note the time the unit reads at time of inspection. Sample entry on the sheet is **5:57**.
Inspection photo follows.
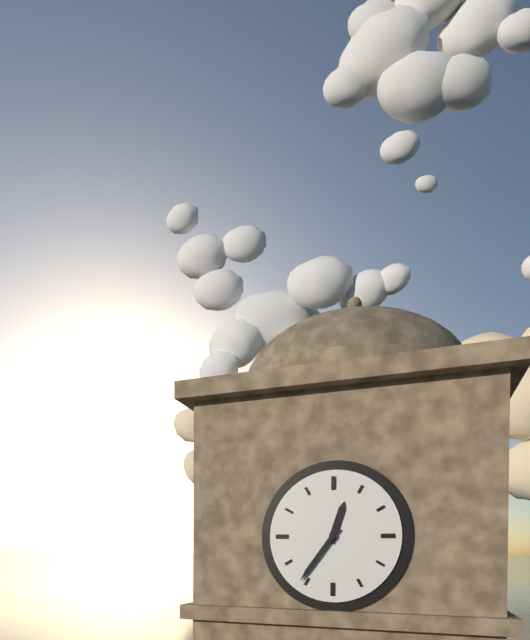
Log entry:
**12:36**
